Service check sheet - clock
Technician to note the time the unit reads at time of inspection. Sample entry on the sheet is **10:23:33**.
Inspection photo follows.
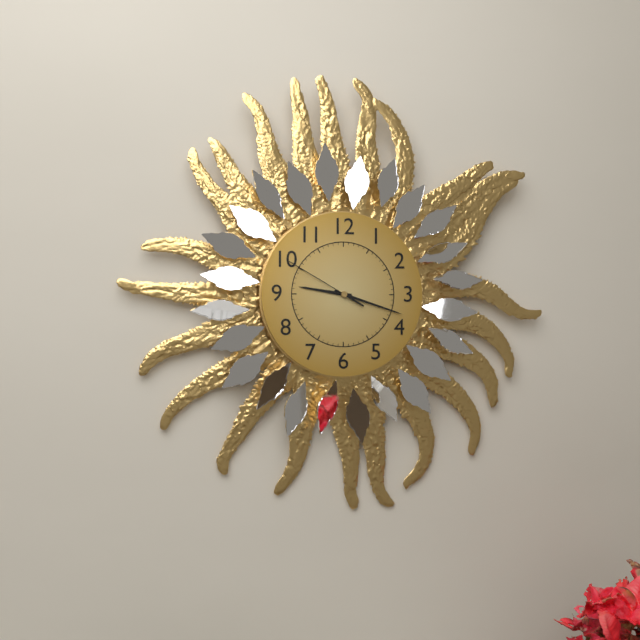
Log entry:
**9:18:50**
